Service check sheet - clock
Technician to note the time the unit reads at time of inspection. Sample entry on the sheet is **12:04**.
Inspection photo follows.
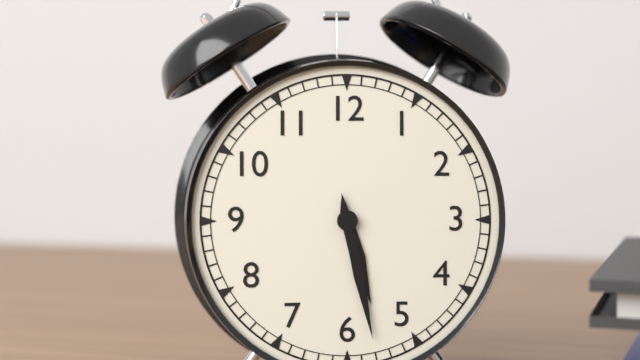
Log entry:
**5:28**
